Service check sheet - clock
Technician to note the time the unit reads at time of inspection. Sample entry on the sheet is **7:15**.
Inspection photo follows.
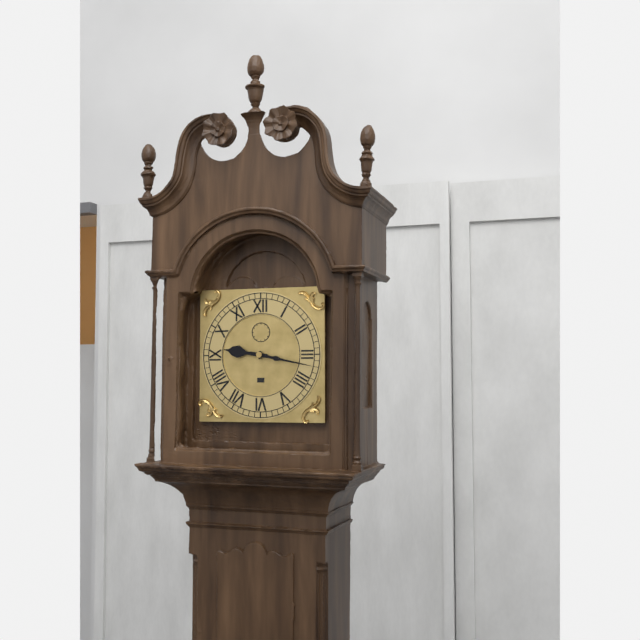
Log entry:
**9:17**
